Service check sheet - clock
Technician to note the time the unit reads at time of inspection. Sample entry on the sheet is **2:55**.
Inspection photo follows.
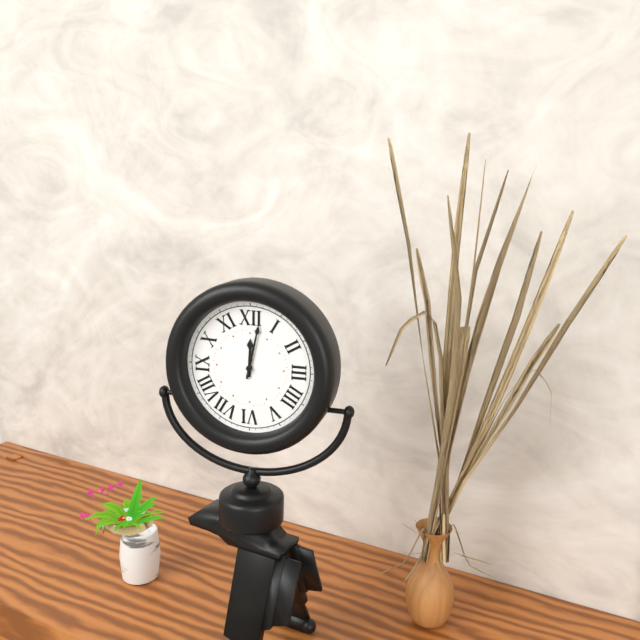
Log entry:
**12:02**
